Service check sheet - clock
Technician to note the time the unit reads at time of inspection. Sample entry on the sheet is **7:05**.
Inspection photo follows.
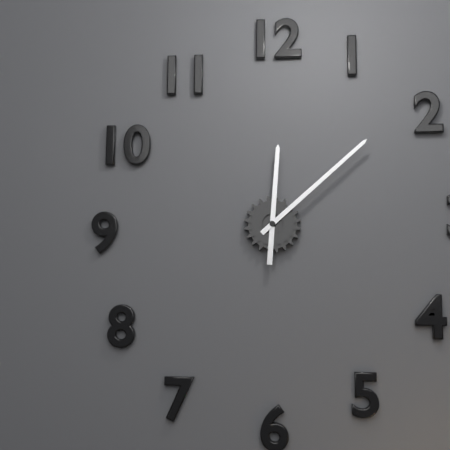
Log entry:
**12:08**
